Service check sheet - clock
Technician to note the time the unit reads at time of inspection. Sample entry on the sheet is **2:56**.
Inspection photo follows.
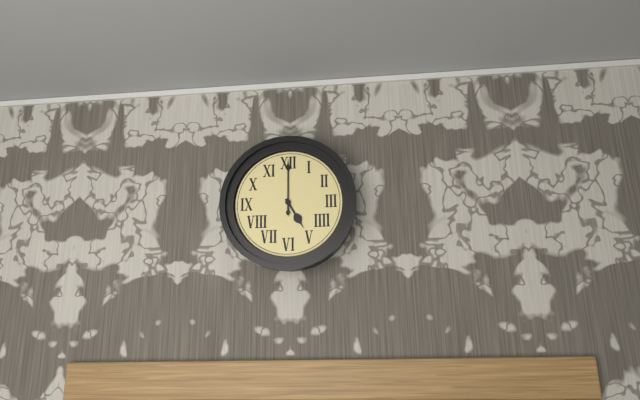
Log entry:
**5:00**
